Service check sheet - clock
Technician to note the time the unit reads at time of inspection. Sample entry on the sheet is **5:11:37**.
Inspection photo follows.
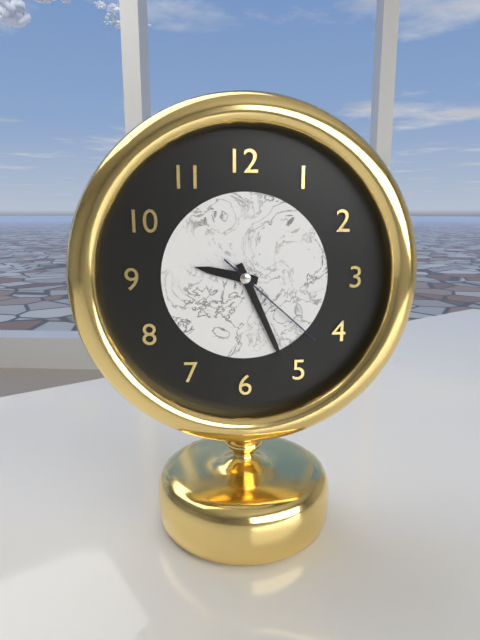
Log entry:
**9:26:22**
